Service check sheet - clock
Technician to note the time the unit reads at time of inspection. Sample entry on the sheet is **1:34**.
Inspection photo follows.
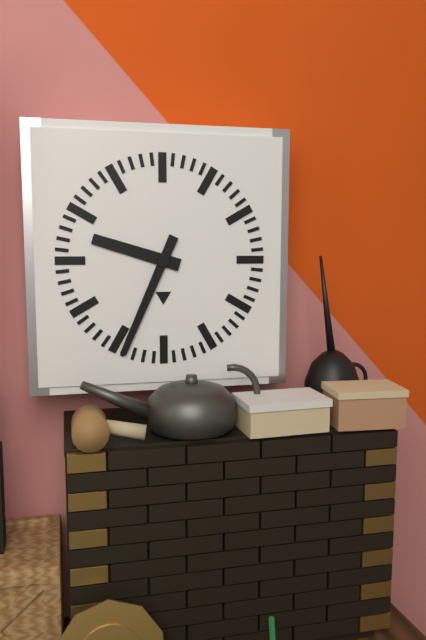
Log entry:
**9:34**
